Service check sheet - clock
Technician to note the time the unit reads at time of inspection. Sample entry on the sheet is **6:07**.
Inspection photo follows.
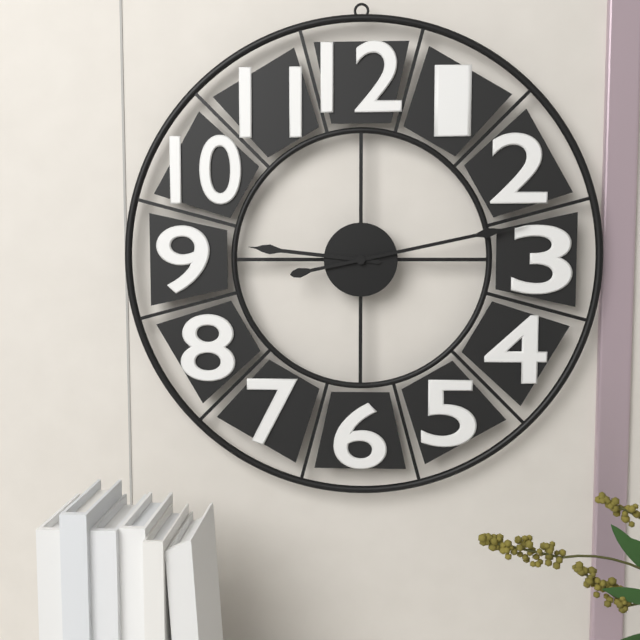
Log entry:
**9:13**
